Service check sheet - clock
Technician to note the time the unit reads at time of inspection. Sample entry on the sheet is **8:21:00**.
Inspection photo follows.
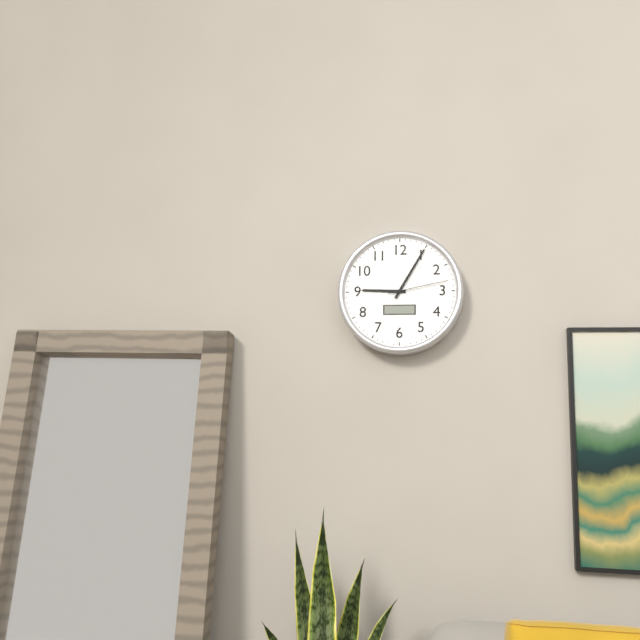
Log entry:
**9:05:13**
